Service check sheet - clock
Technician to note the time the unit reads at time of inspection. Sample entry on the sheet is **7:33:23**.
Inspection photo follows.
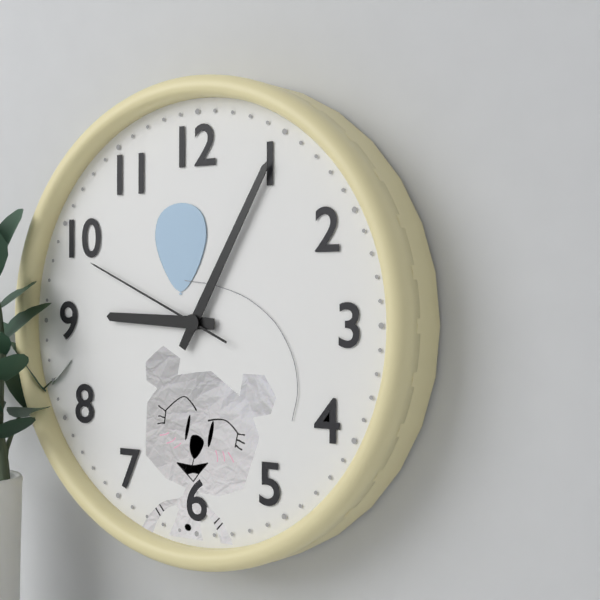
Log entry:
**9:05:49**
